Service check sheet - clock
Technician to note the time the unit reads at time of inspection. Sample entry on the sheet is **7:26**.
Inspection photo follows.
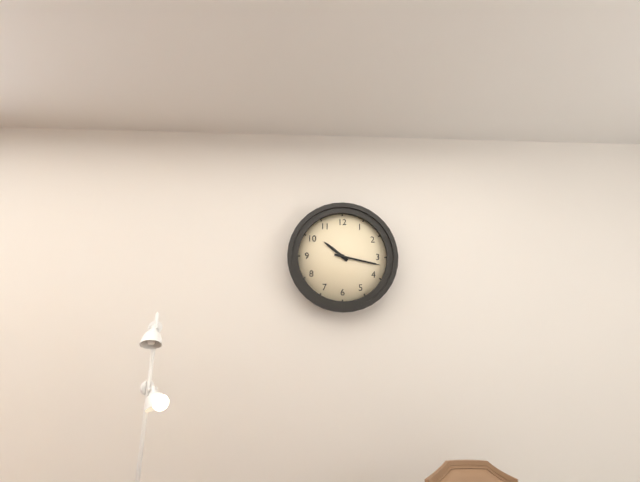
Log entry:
**10:17**
